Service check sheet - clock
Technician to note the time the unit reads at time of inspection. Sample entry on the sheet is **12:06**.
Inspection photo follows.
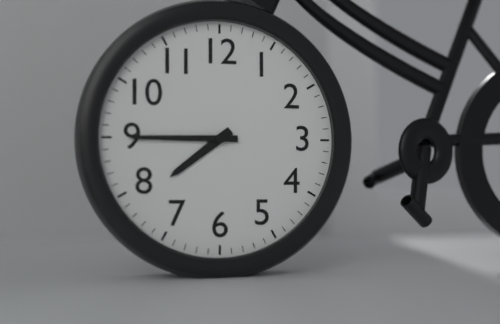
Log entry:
**7:45**
